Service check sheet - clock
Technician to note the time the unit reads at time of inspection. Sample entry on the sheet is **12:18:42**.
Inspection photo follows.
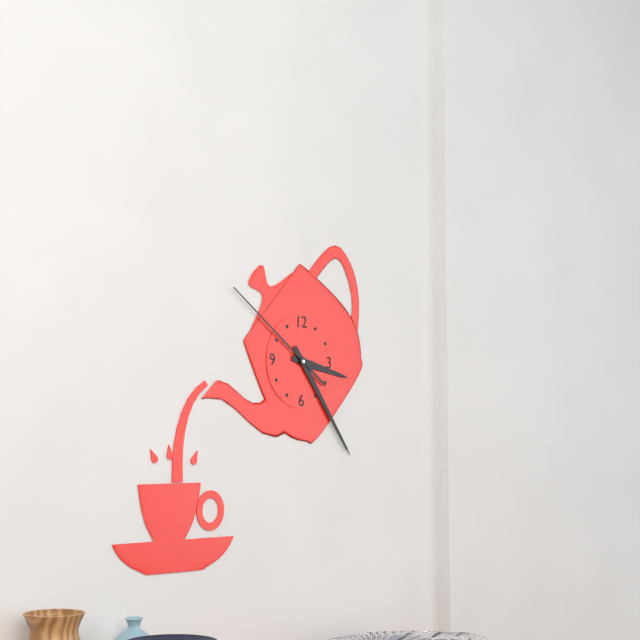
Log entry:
**3:24:51**
